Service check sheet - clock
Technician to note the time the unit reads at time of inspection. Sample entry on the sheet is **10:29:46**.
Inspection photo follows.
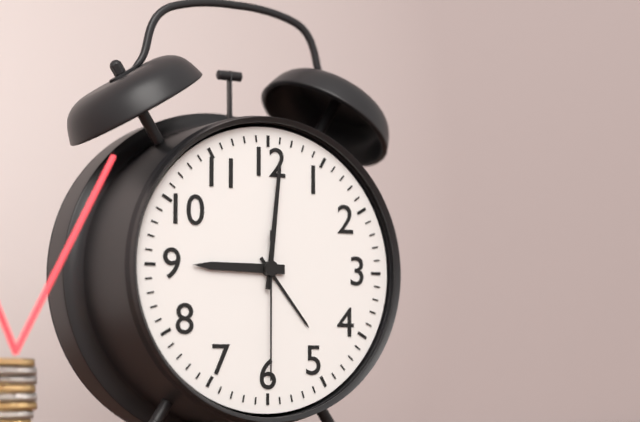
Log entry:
**9:01:30**
